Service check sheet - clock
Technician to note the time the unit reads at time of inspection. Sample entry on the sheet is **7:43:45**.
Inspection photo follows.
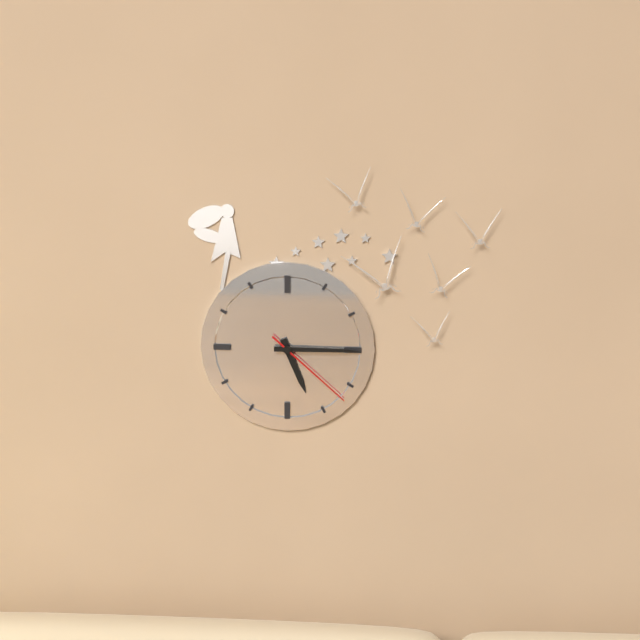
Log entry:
**5:15:22**
